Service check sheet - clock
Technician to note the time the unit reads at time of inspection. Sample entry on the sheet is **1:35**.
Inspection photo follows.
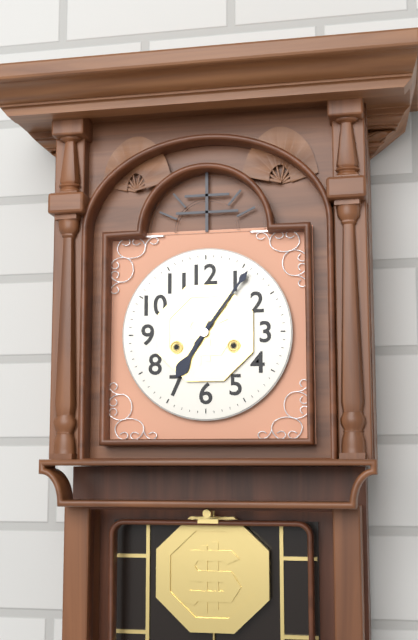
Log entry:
**7:06**
